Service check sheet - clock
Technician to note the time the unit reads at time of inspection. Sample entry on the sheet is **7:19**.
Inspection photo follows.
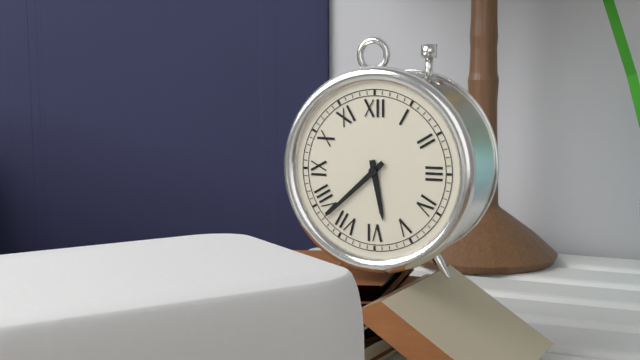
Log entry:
**5:38**
